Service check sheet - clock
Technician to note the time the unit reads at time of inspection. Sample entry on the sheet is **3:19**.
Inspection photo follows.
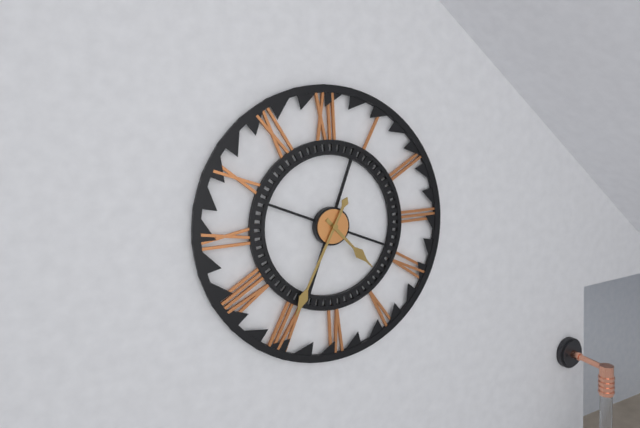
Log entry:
**4:35**
